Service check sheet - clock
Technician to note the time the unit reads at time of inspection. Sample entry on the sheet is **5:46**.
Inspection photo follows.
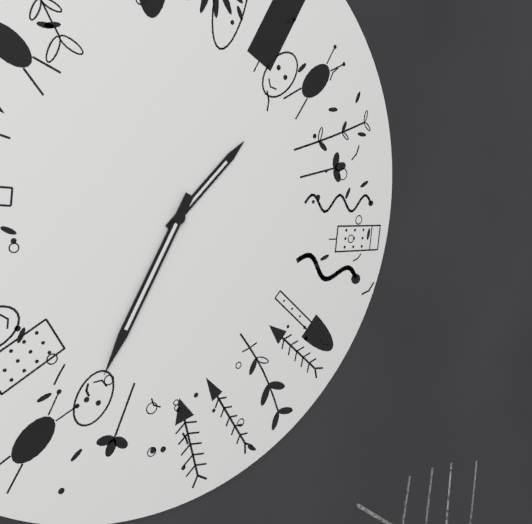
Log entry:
**1:35**
